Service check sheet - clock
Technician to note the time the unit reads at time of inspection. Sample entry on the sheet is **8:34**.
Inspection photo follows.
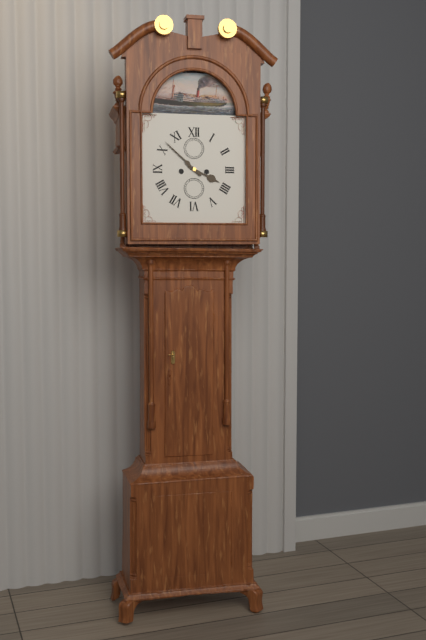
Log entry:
**3:52**
